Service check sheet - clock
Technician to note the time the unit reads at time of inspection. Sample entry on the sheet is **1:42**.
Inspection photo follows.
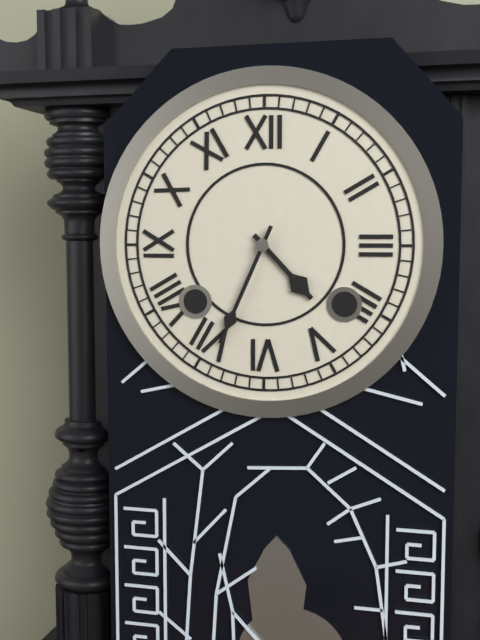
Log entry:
**4:34**
